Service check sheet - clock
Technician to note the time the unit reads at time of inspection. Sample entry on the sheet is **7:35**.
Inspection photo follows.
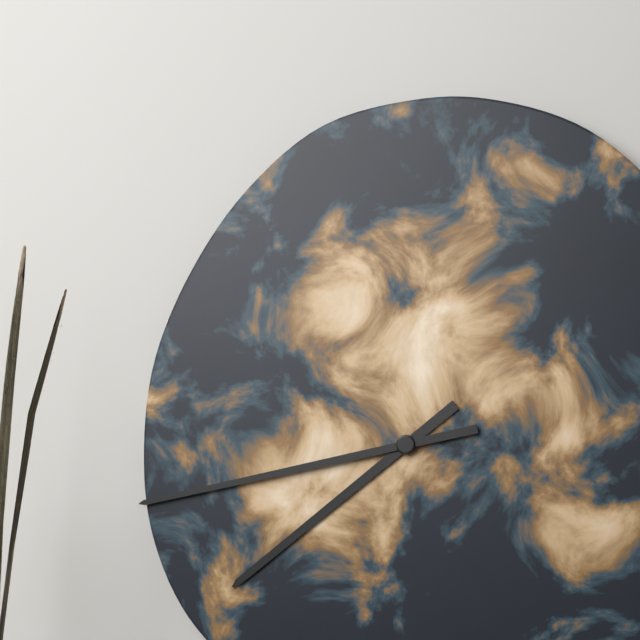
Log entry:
**7:43**
